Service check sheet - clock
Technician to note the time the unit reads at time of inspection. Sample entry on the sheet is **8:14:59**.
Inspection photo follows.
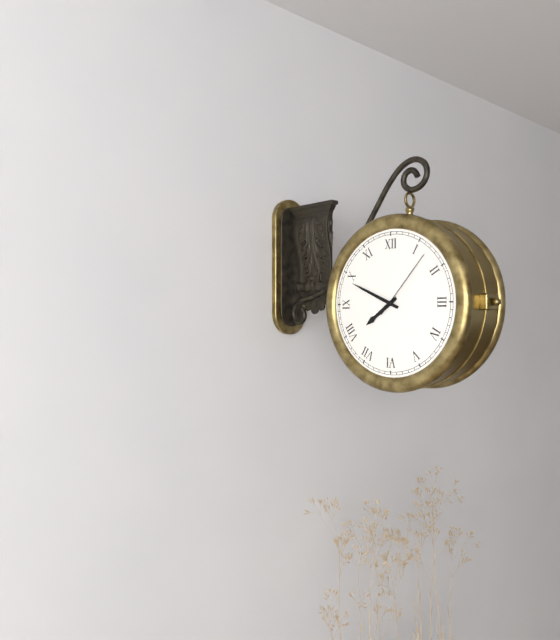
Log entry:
**7:49:07**
